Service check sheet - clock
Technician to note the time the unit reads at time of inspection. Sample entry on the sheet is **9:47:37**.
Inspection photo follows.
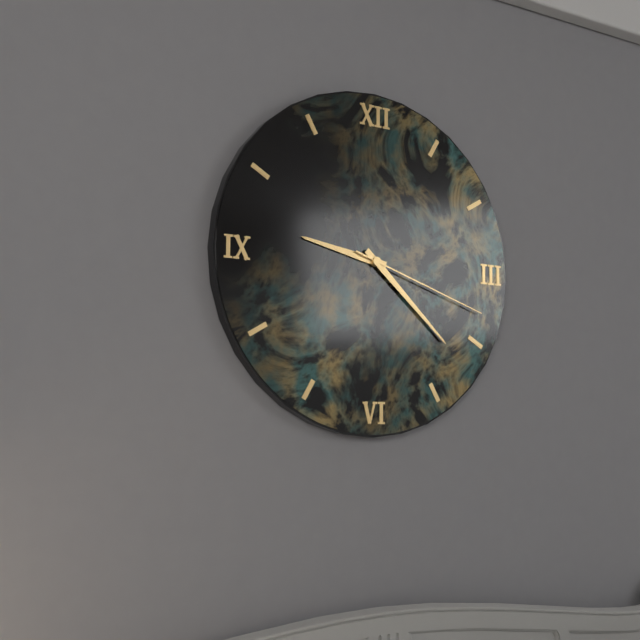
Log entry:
**9:22:18**
